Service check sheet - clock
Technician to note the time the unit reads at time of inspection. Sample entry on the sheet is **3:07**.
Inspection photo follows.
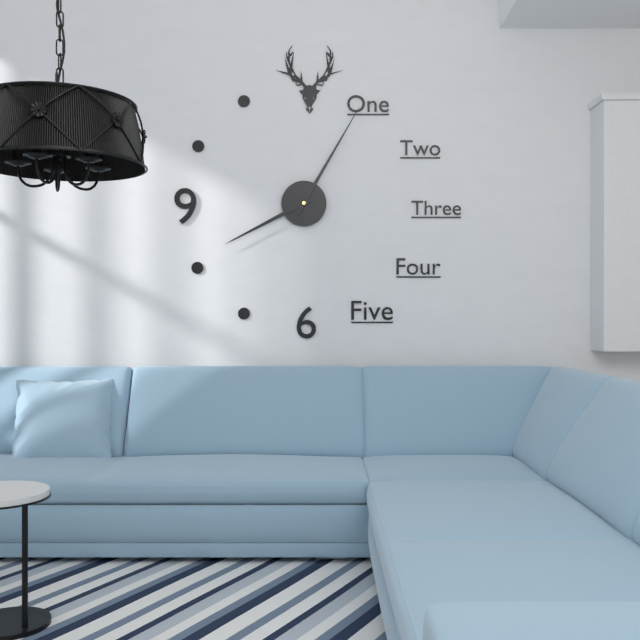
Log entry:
**8:05**
